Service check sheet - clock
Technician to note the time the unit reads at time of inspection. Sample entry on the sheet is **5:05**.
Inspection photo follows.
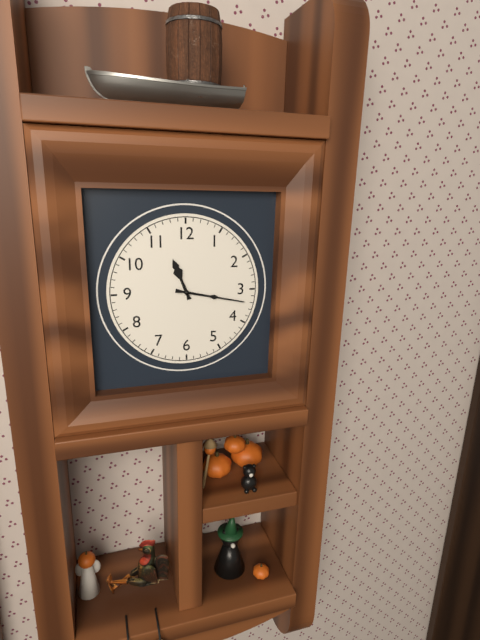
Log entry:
**11:17**
